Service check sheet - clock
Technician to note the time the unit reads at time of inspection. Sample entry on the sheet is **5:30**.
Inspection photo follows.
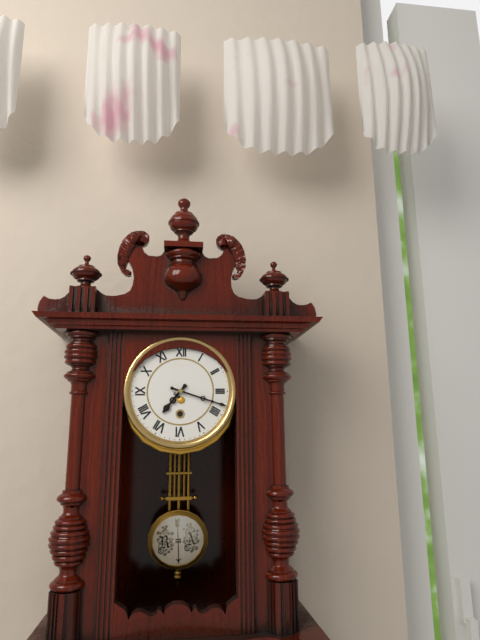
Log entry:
**7:18**
